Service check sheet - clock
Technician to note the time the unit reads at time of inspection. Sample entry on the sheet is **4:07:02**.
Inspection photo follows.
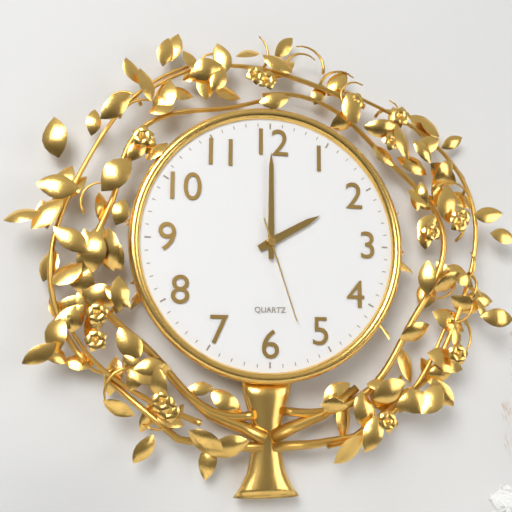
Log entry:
**2:00:27**
